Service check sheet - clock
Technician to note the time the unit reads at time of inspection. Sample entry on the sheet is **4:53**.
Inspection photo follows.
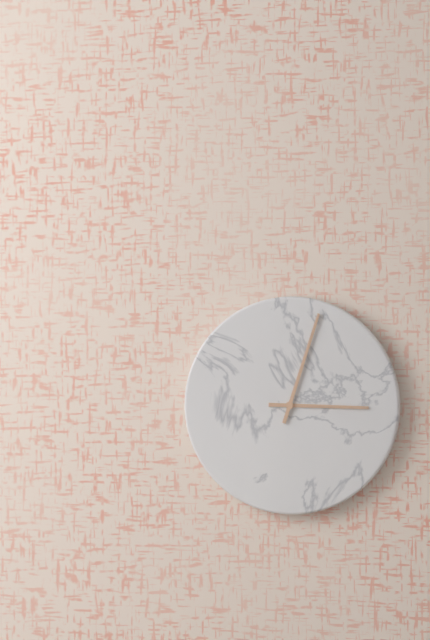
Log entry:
**3:03**
